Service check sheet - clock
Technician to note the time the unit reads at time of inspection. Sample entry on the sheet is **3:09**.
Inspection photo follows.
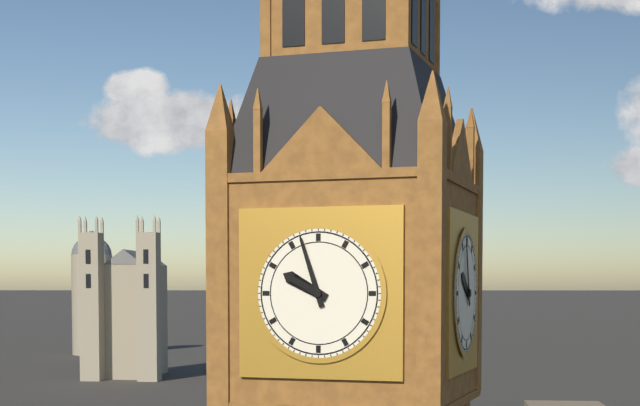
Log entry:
**9:57**
